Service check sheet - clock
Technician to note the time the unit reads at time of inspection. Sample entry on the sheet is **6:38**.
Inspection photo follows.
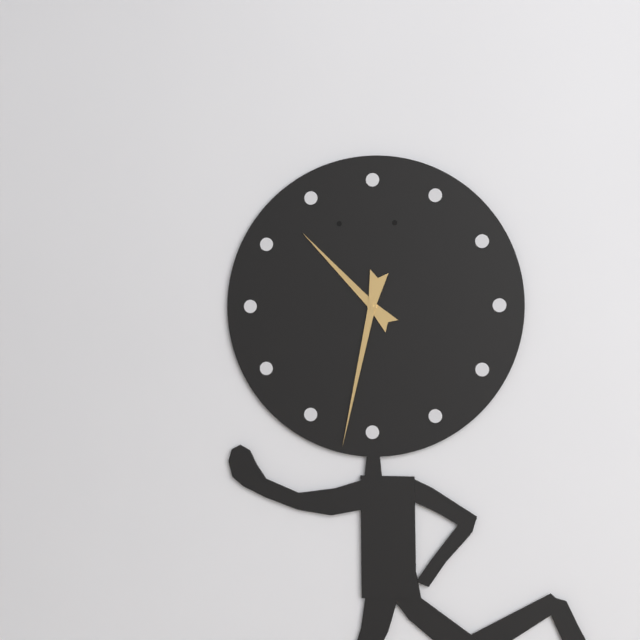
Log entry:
**10:32**
